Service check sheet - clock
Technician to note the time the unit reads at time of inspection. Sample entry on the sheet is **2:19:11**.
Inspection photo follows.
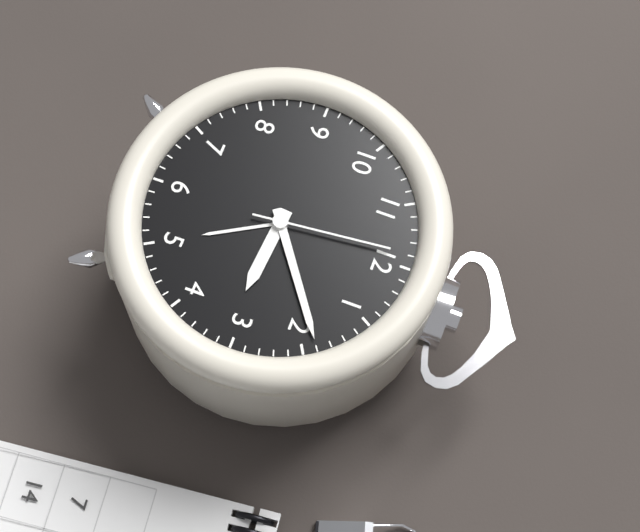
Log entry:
**3:09:59**
